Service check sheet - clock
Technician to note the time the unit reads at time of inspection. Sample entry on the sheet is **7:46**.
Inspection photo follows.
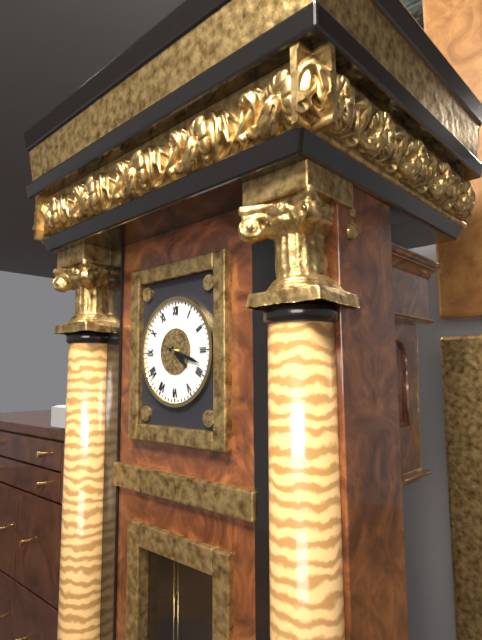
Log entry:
**4:18**
